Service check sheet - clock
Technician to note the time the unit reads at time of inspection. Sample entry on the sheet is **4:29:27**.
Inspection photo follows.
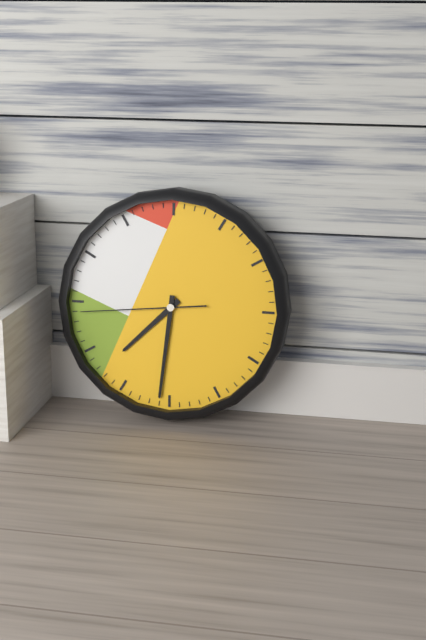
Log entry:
**7:31:44**
